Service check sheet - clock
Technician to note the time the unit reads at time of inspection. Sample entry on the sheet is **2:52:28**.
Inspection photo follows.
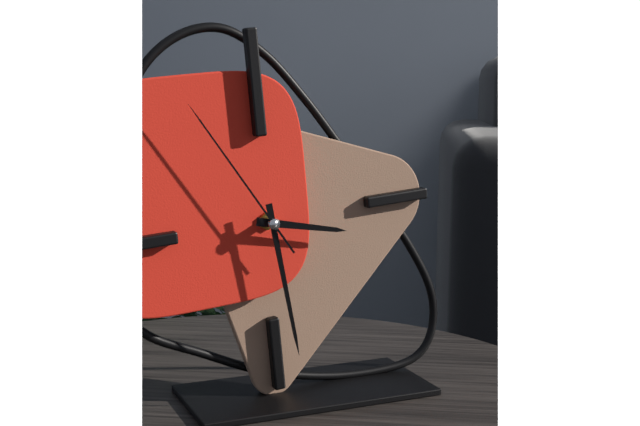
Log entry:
**3:29:55**
